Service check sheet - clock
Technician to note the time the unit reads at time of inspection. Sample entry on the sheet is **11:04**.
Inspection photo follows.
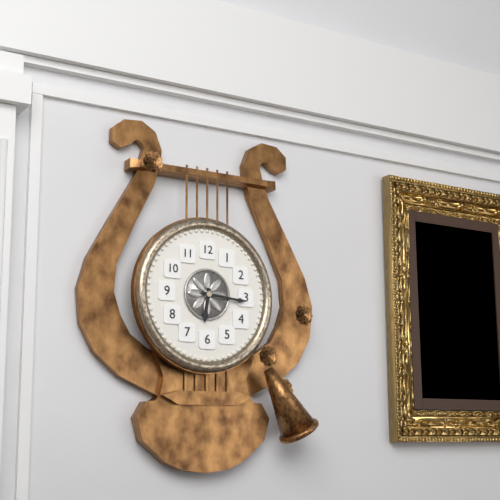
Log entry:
**6:16**
